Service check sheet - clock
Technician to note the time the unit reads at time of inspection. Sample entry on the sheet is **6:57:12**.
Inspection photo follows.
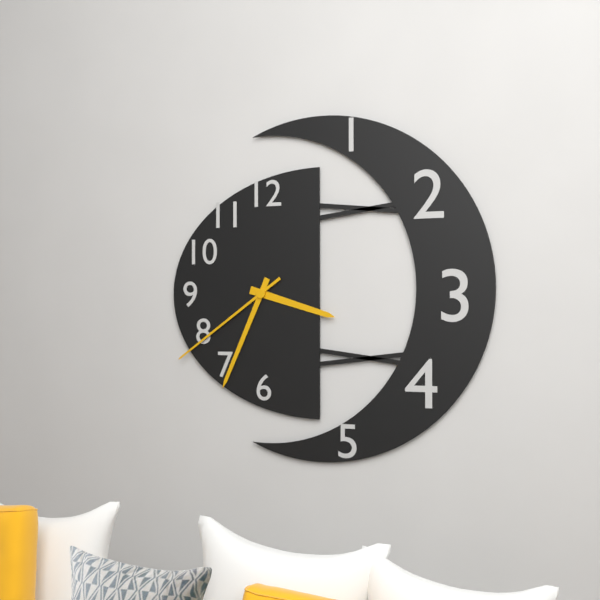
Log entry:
**3:34:39**
